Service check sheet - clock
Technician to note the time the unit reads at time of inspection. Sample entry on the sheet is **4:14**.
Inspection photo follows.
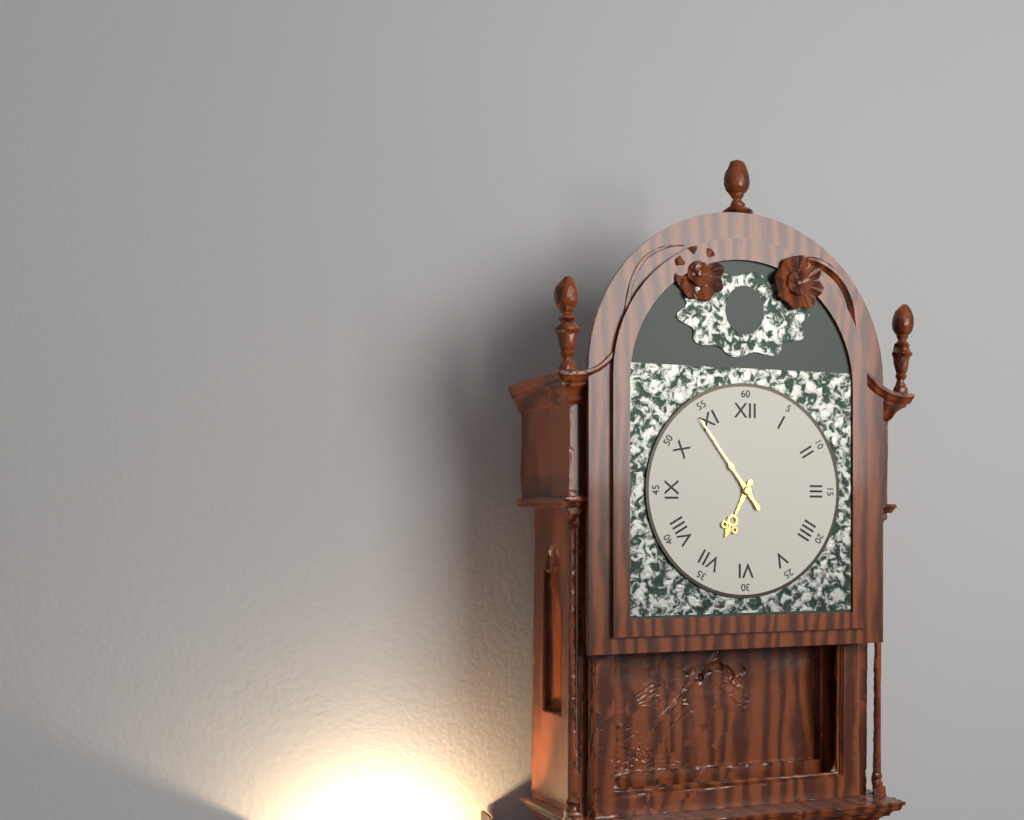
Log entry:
**6:54**
